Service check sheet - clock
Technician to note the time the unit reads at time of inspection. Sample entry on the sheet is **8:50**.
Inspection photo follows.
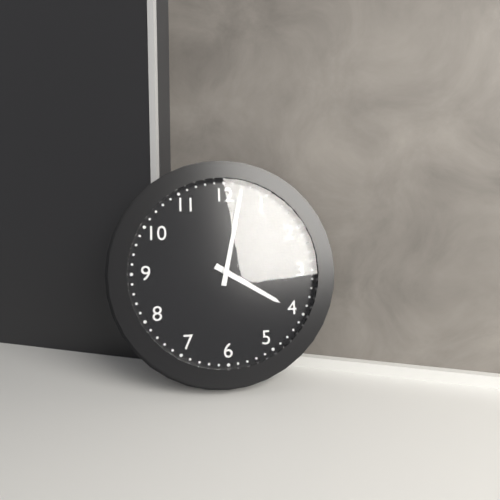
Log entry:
**4:02**
